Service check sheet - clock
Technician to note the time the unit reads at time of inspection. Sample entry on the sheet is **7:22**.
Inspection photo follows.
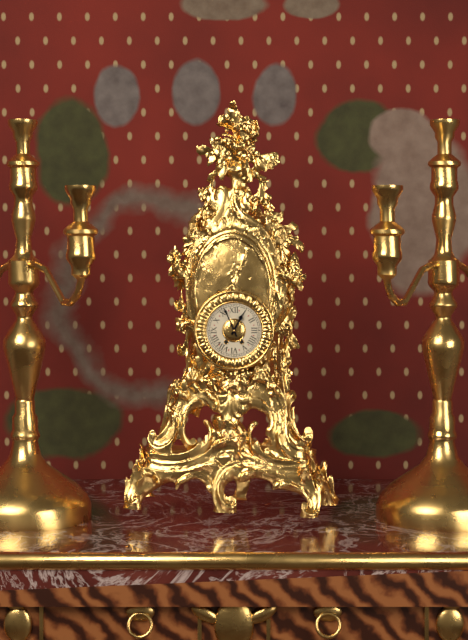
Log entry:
**12:56**
